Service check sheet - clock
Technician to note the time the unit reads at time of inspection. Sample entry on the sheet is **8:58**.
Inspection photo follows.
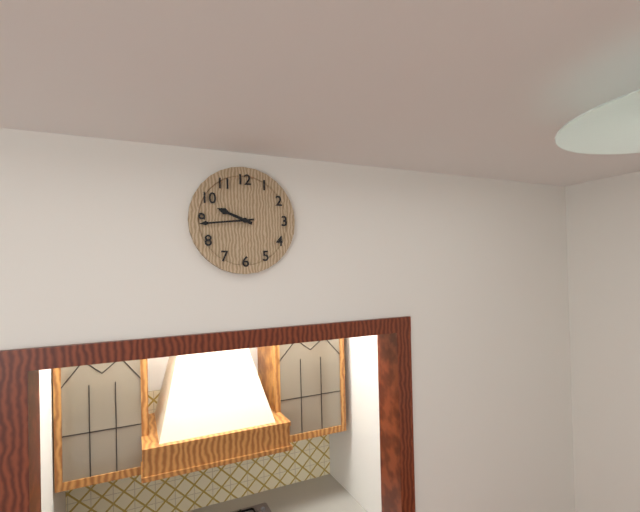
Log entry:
**9:44**
